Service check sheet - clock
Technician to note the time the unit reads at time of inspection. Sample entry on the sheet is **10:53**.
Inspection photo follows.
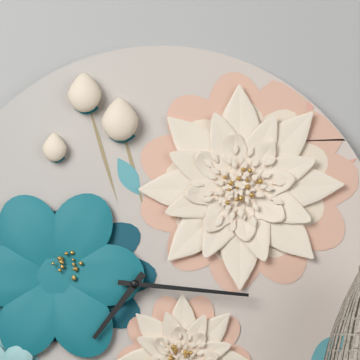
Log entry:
**7:16**
